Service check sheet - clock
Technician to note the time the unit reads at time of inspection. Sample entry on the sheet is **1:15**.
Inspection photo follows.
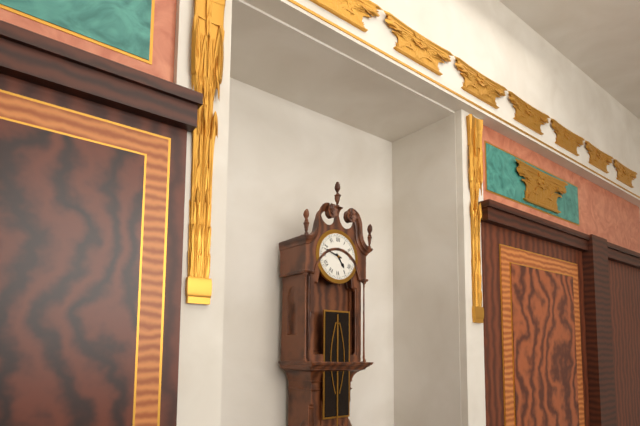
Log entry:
**4:48**
